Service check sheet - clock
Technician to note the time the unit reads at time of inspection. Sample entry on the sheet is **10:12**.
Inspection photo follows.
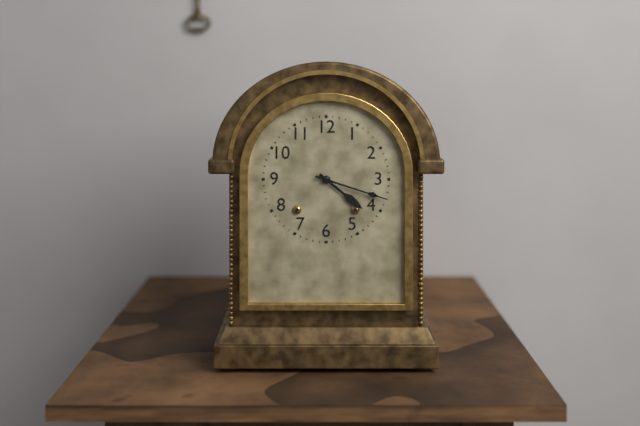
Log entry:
**4:18**
